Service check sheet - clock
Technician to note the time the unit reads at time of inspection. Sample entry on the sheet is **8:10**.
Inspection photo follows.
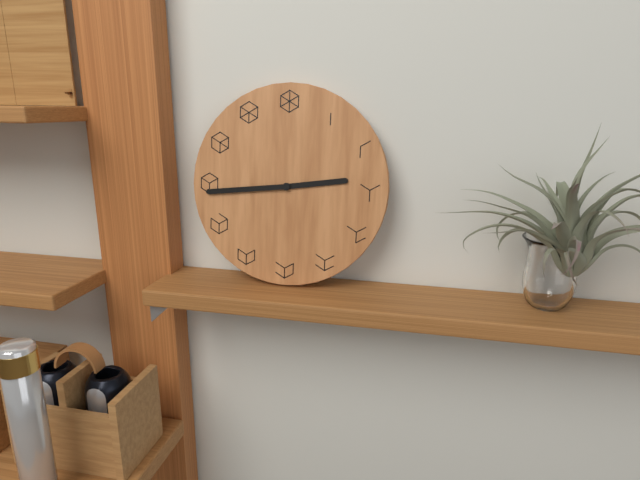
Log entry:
**2:44**
